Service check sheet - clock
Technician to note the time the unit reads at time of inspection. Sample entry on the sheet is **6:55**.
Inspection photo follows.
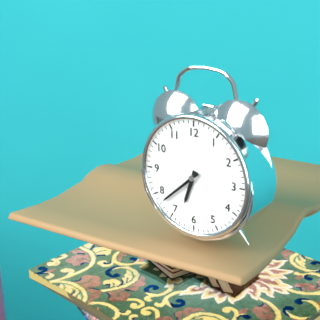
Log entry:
**6:38**
